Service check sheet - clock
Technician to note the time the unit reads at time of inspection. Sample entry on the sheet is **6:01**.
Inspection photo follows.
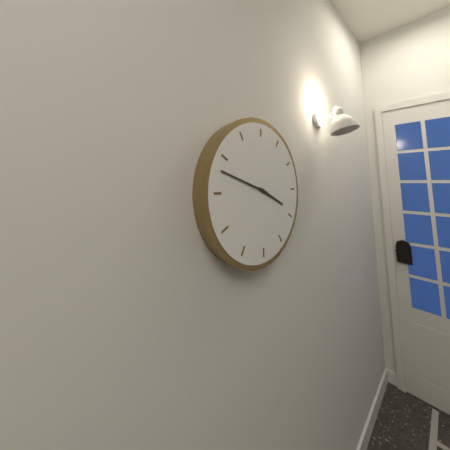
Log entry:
**3:48**
